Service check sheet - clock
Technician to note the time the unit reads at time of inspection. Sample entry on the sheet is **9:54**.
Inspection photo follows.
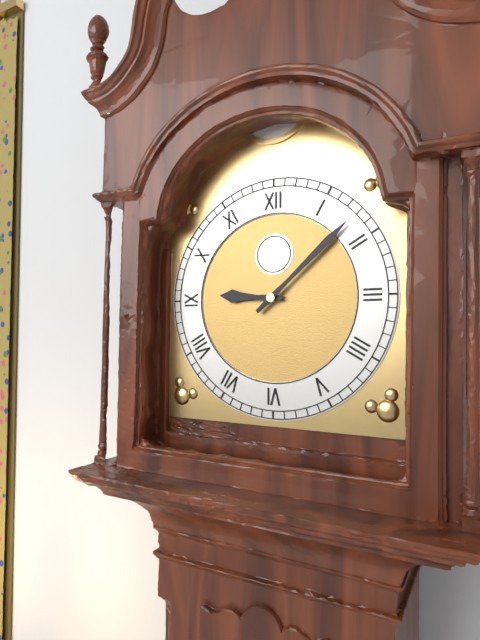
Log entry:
**9:08**
